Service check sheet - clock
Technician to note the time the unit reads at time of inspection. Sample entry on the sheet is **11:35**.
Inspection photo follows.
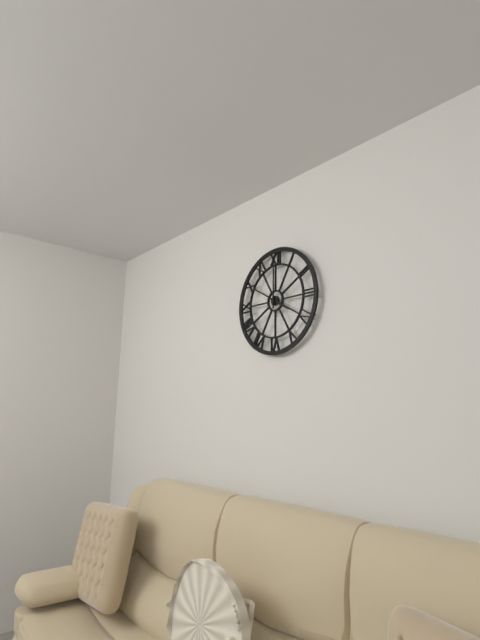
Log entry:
**4:00**
